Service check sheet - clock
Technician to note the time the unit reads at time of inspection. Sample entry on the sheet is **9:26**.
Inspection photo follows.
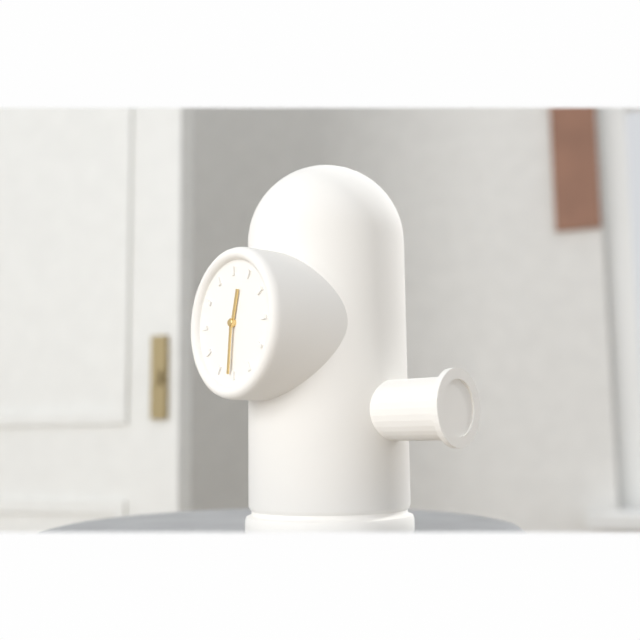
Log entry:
**12:31**
